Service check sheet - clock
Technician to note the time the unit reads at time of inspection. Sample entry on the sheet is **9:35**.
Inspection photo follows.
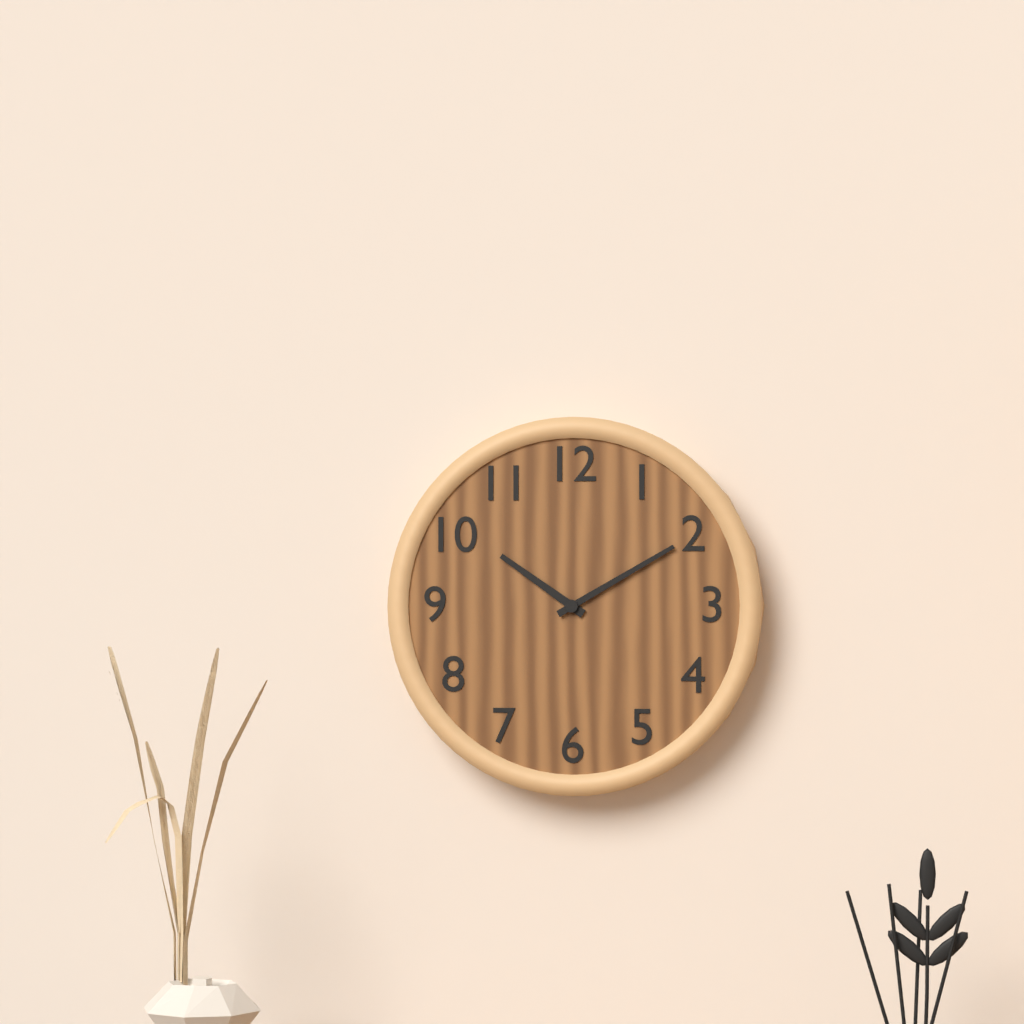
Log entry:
**10:10**
